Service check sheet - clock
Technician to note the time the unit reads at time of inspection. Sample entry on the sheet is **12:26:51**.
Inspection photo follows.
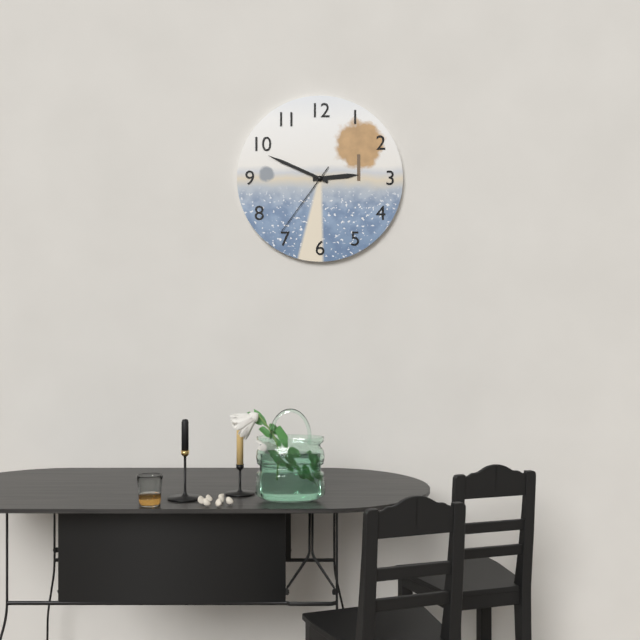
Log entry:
**2:49:36**
